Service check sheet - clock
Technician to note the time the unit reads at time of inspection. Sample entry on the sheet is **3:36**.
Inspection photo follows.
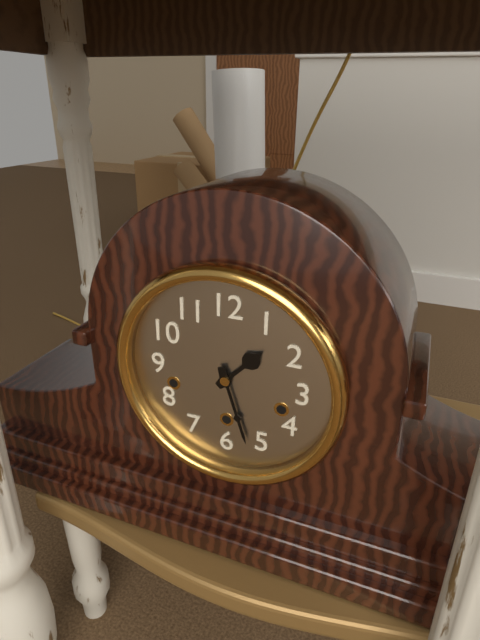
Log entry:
**1:27**
